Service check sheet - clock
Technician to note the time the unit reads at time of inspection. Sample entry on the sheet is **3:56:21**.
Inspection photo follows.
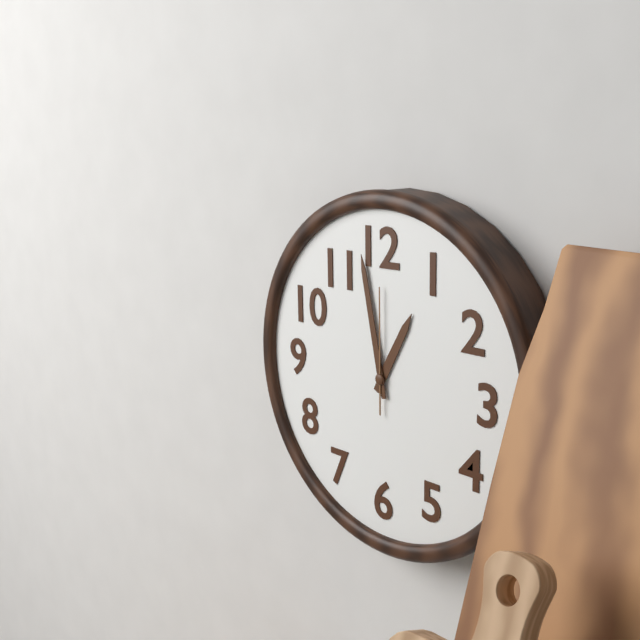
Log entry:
**12:58:00**
